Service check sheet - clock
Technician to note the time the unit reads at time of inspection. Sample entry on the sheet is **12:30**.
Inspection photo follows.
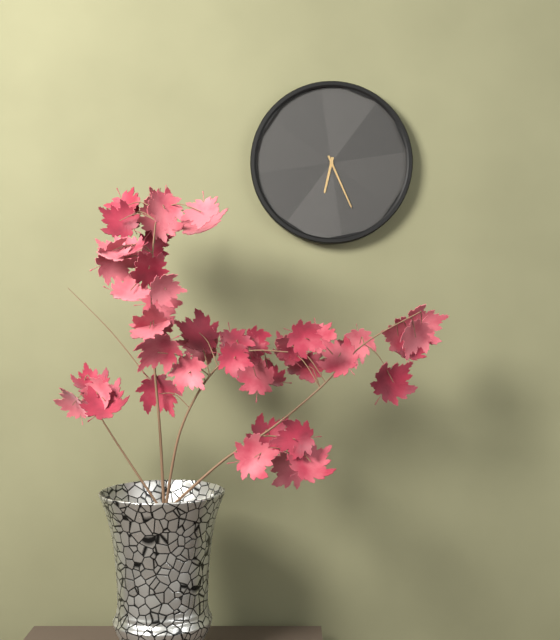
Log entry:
**6:26**
